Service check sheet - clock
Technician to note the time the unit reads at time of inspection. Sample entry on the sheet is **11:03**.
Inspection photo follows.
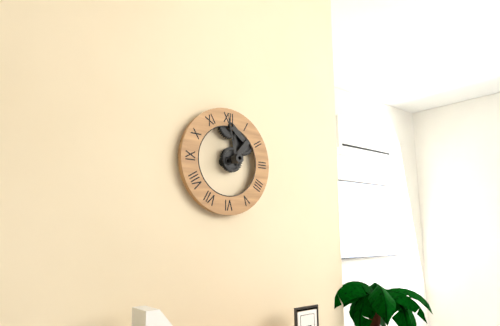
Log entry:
**11:58**
